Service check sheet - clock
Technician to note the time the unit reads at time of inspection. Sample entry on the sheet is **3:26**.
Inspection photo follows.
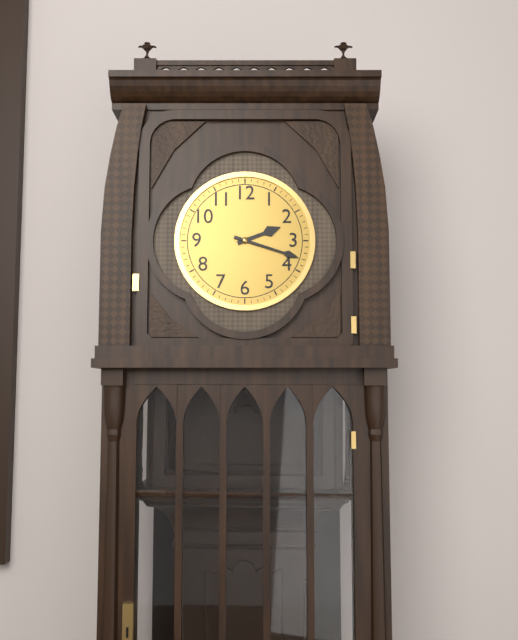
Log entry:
**2:18**
